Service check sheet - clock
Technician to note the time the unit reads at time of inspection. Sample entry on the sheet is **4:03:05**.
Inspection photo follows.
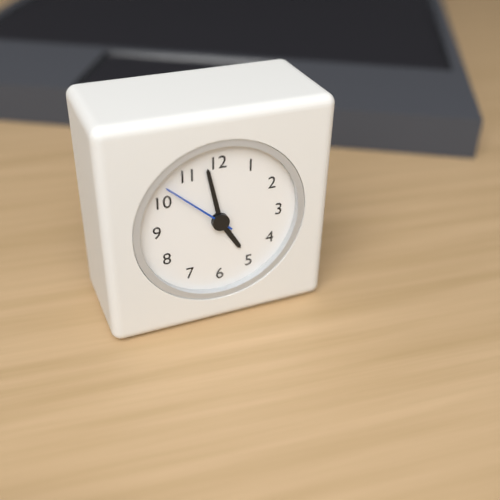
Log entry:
**4:58:52**
